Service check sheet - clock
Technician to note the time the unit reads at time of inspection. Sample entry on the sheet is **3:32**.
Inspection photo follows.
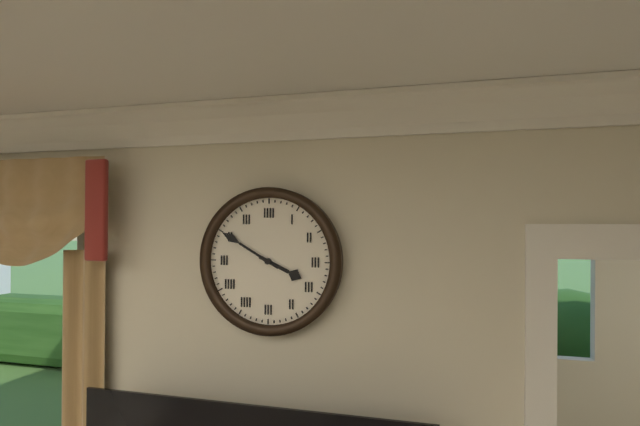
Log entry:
**3:50**
